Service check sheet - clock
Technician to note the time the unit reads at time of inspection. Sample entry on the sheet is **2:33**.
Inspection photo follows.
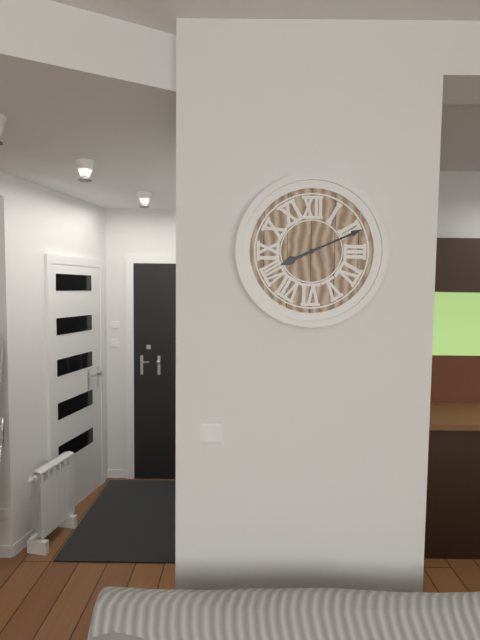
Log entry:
**8:11**
